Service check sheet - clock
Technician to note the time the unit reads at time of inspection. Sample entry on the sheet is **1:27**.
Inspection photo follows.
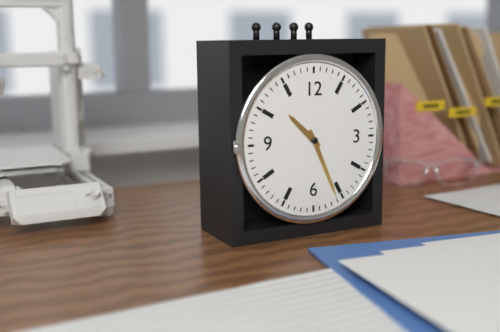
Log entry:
**10:26**
